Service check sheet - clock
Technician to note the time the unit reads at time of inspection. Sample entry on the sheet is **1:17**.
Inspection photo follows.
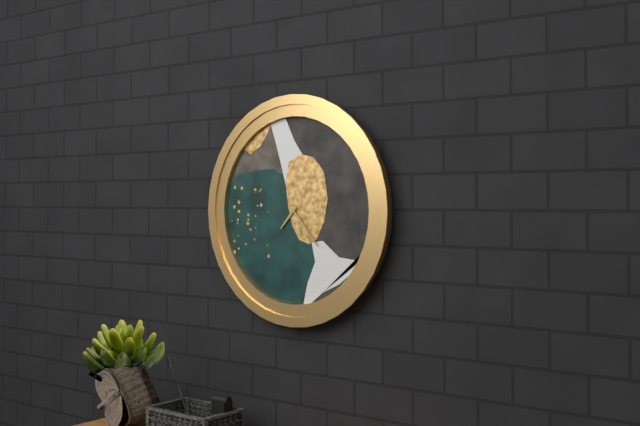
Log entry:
**7:23**
